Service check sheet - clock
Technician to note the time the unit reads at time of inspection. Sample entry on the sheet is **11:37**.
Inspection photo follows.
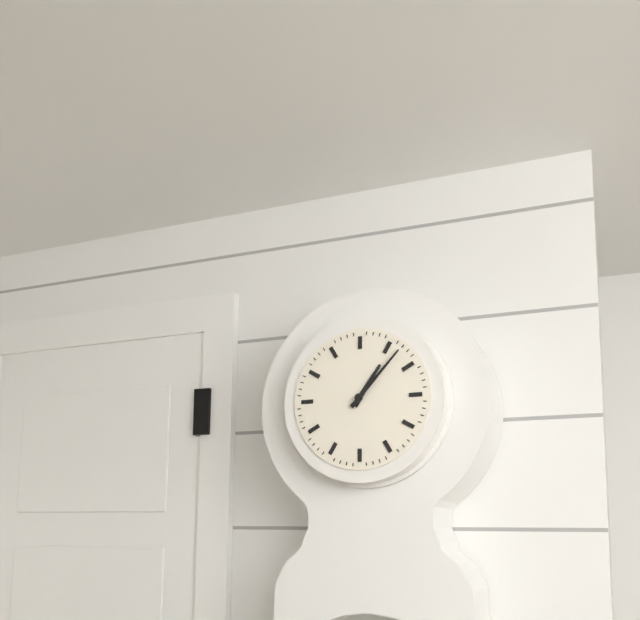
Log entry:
**1:07**
